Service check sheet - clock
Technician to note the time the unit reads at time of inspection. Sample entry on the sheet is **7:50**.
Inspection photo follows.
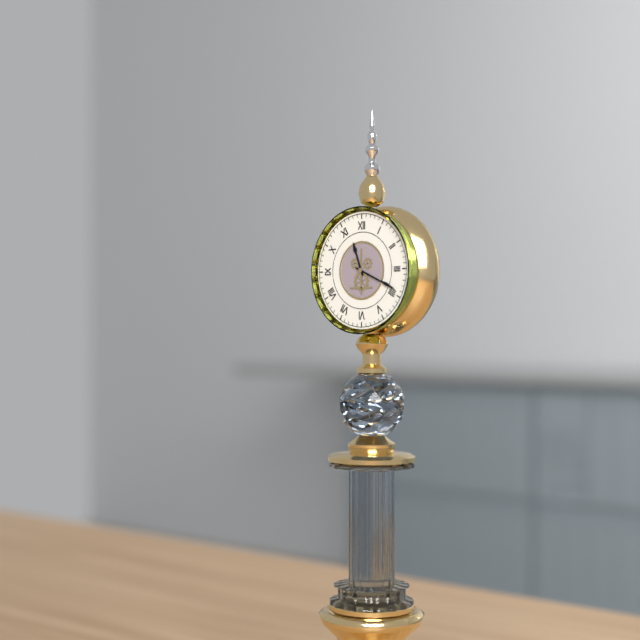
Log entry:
**11:19**
